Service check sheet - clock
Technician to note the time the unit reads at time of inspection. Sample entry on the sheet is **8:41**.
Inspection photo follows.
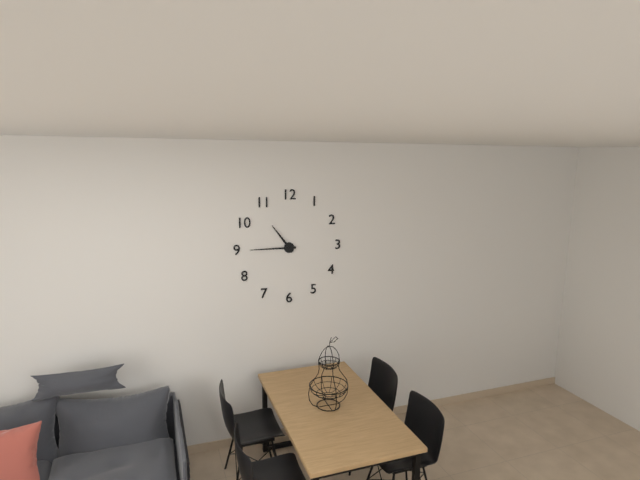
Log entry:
**10:45**
